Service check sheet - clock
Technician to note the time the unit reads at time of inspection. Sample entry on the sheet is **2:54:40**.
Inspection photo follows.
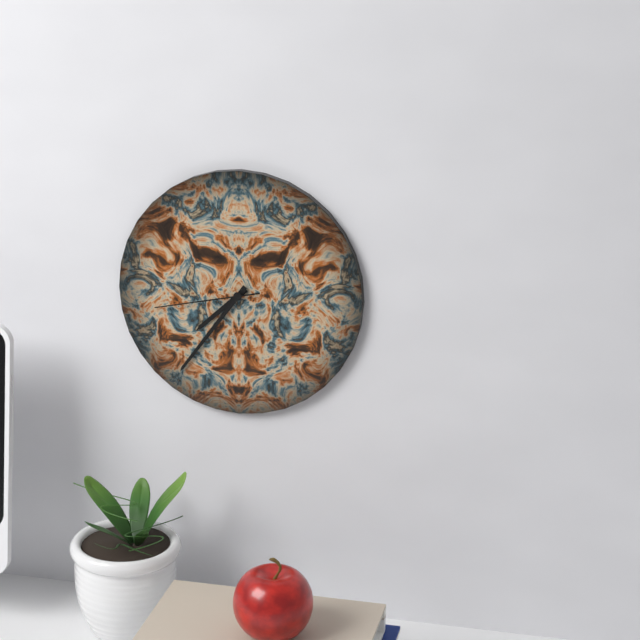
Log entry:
**7:36:43**
